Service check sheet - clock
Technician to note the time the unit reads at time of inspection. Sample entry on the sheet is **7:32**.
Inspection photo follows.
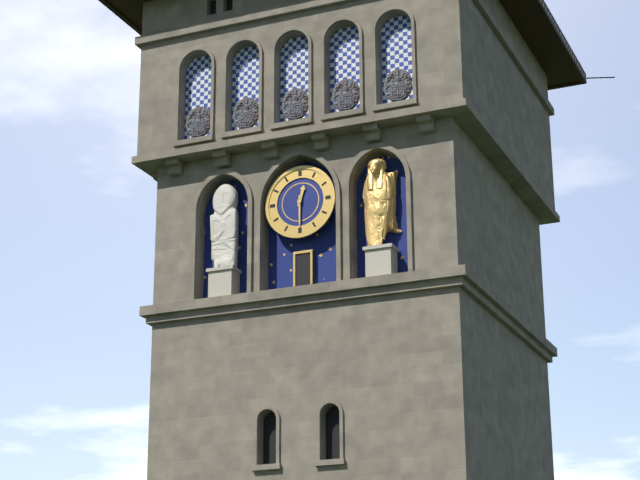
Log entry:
**12:30**
